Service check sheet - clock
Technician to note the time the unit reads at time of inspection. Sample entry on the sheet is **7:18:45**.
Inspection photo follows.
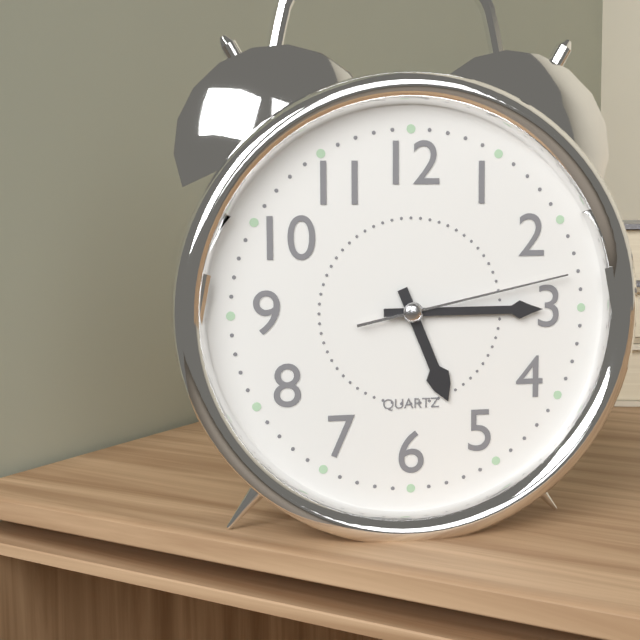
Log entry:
**5:15:13**
